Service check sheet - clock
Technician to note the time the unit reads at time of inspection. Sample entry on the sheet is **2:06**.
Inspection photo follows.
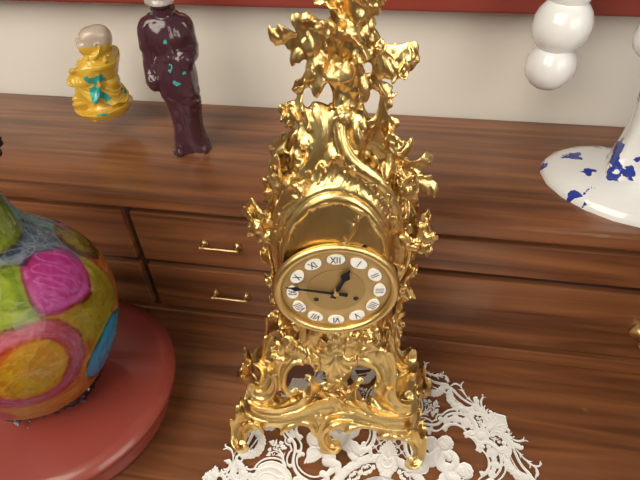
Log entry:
**12:47**
